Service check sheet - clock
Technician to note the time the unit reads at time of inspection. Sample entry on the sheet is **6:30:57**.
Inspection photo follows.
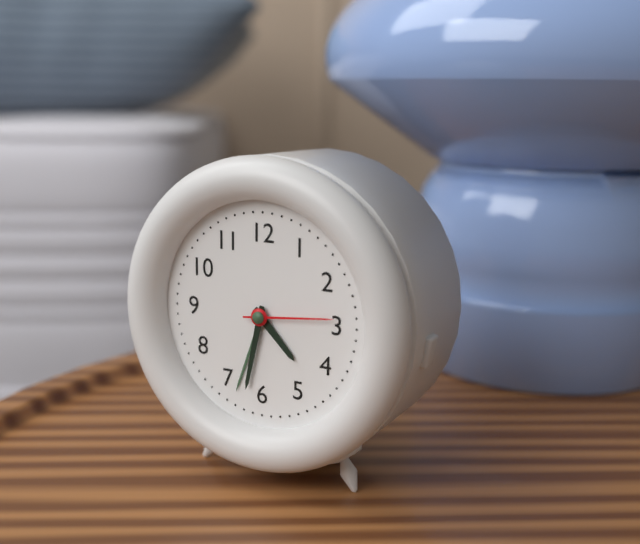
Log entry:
**4:32:14**
